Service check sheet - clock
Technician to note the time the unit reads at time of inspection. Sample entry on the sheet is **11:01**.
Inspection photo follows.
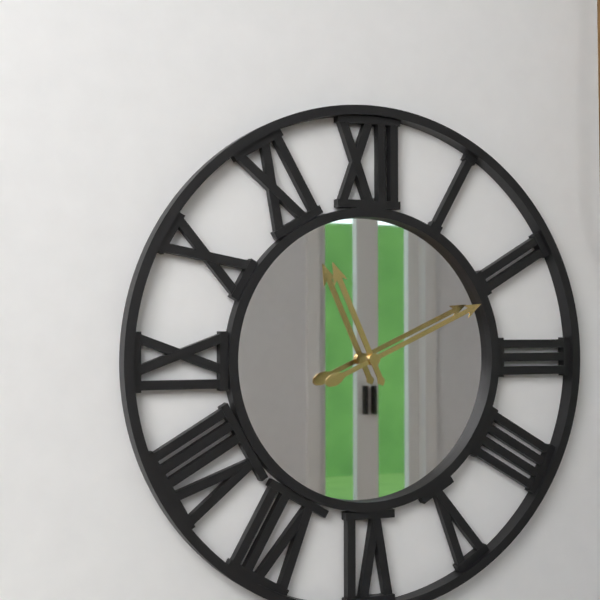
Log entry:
**11:11**
